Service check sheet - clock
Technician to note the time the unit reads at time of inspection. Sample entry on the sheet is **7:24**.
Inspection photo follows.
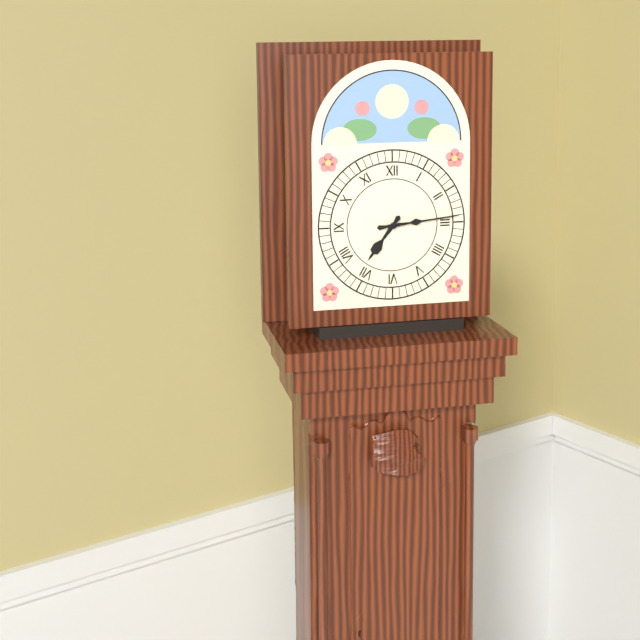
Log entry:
**7:14**
